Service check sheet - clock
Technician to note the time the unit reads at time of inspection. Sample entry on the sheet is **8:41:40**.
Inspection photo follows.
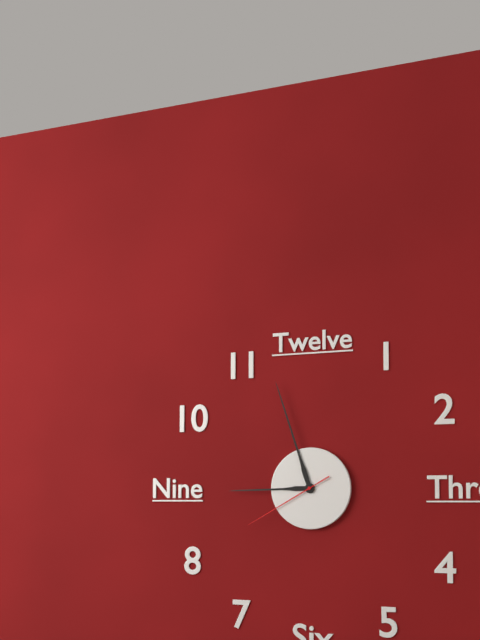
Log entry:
**8:57:40**
